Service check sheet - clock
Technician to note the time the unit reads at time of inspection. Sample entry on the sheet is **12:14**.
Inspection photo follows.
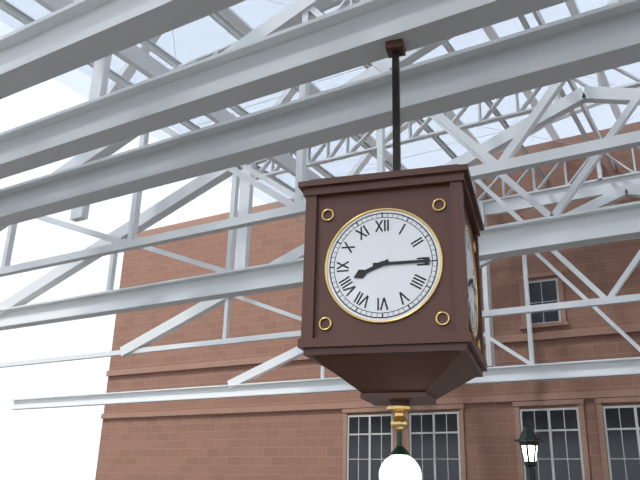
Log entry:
**8:15**
